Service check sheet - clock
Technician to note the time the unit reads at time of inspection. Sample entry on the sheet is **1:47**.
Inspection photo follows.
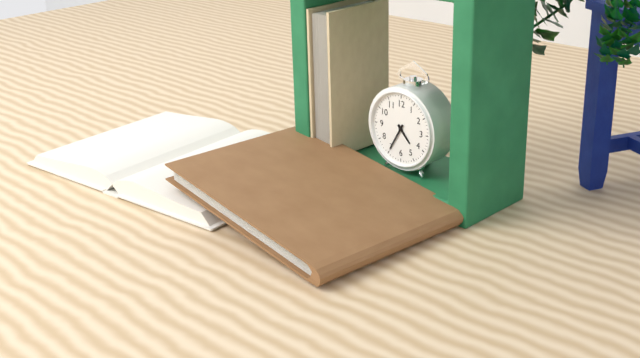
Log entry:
**4:35**
